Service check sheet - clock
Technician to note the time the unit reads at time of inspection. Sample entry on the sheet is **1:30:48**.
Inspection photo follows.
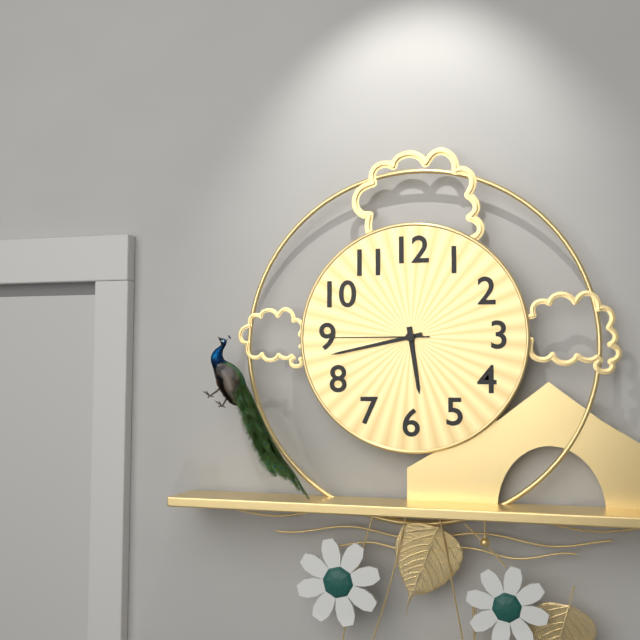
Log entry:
**5:43:45**
